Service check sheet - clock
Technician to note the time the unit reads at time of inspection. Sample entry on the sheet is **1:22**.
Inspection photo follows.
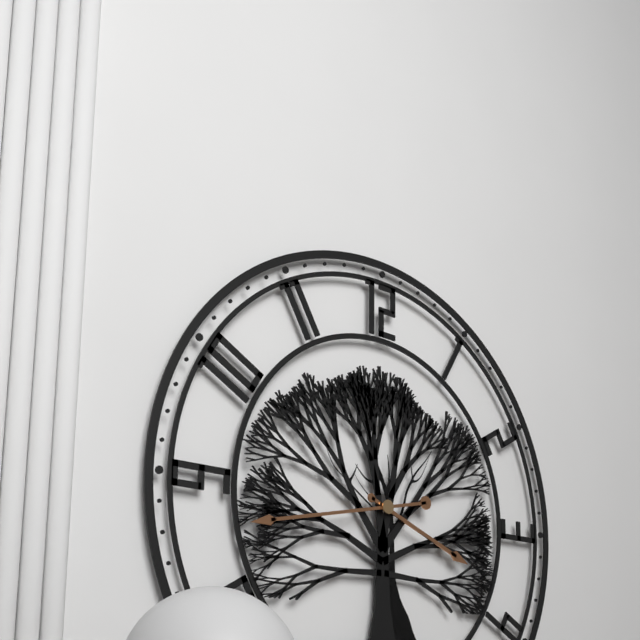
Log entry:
**3:43**
